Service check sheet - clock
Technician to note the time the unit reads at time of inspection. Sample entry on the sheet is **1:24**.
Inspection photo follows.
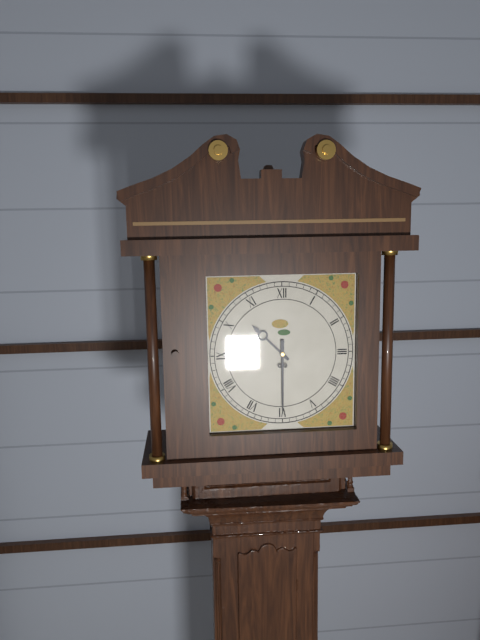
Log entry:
**10:30**
